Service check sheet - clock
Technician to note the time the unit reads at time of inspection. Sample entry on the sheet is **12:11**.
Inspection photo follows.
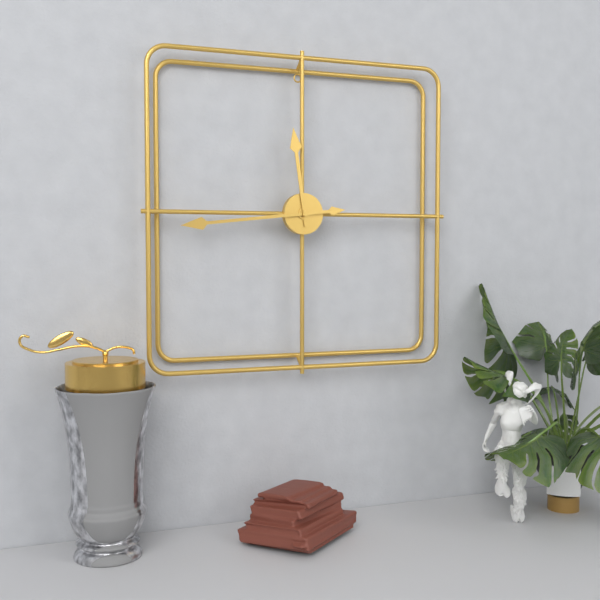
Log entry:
**11:44**
